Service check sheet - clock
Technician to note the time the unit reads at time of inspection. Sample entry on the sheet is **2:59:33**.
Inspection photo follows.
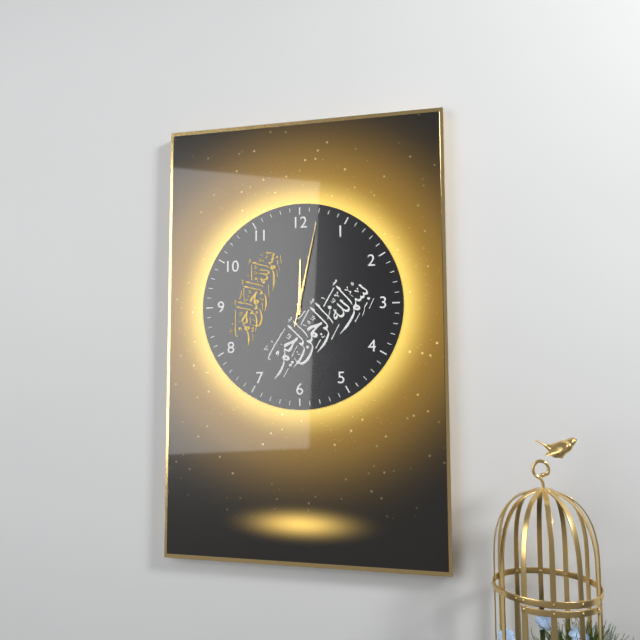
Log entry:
**12:02:02**
